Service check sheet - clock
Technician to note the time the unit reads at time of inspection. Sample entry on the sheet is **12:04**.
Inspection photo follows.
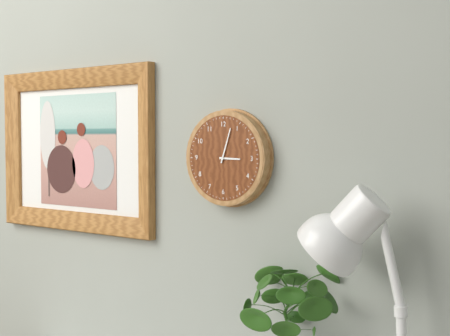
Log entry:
**3:03**
